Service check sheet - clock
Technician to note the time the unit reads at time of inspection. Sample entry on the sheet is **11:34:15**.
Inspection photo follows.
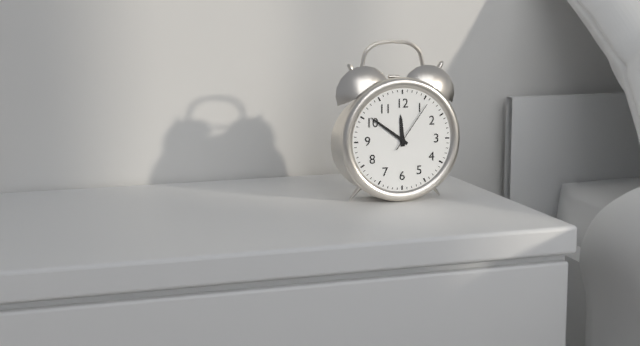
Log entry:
**11:51:06**
